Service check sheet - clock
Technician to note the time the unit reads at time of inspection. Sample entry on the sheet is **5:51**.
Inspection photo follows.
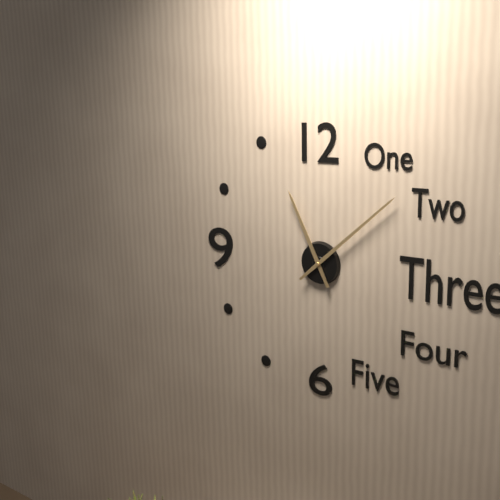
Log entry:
**11:08**
